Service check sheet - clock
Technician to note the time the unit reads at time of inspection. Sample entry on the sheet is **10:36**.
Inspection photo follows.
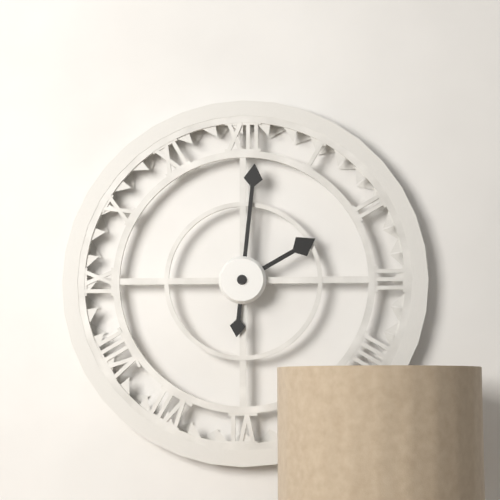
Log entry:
**2:01**
